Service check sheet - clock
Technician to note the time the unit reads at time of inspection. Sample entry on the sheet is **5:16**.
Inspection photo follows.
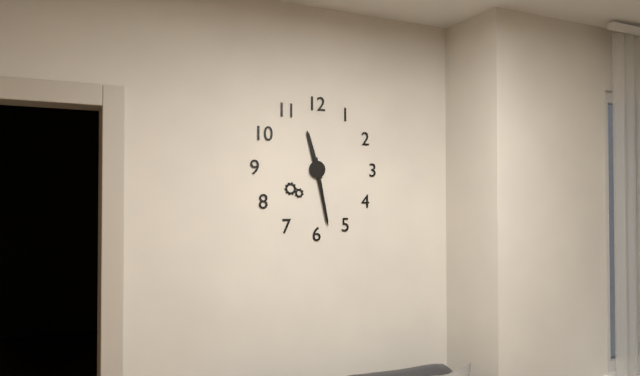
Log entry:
**11:28**
